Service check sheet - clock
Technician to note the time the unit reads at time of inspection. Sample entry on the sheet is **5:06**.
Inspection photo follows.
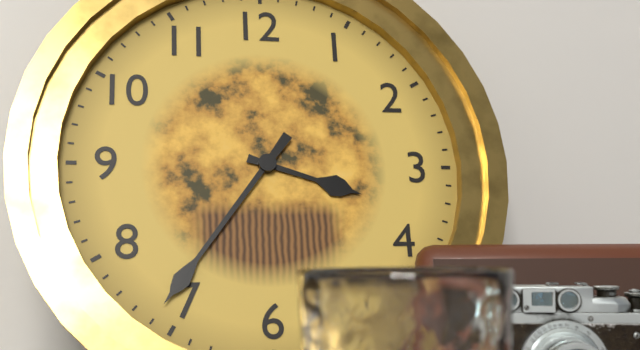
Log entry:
**3:36**
